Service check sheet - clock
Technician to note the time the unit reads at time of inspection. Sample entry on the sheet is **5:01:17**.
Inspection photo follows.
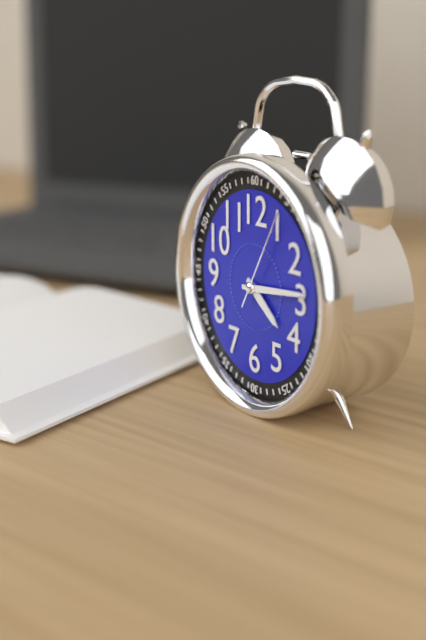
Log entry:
**4:14:05**
